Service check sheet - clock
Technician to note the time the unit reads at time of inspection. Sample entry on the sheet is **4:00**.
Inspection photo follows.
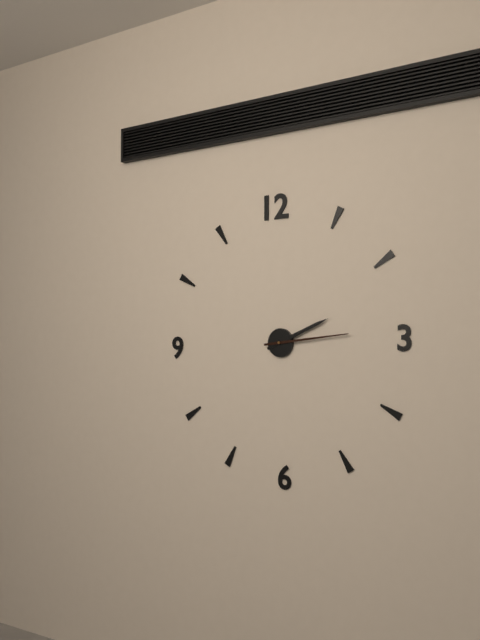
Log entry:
**2:14**
